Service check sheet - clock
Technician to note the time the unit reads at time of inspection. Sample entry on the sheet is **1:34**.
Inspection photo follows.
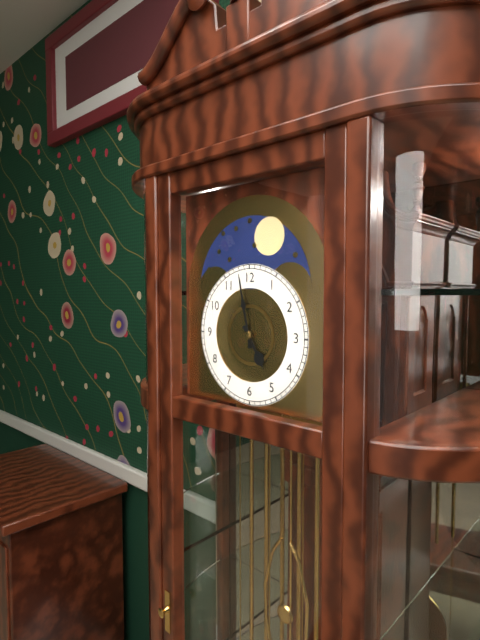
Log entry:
**4:58**
